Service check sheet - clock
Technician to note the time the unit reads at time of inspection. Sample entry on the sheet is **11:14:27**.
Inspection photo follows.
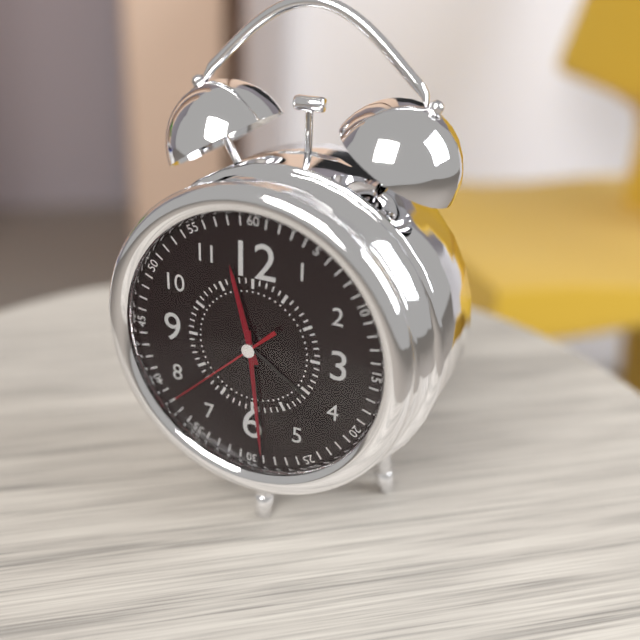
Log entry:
**11:29:38**
